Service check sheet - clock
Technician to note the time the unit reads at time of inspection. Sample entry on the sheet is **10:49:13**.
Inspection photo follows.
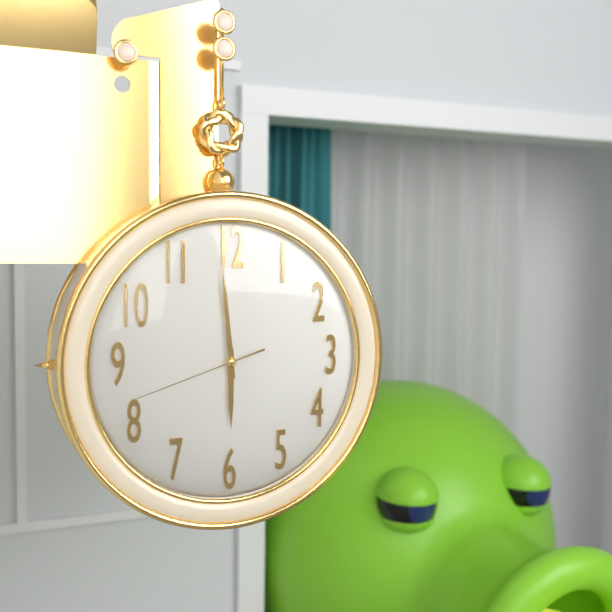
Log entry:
**5:59:42**
